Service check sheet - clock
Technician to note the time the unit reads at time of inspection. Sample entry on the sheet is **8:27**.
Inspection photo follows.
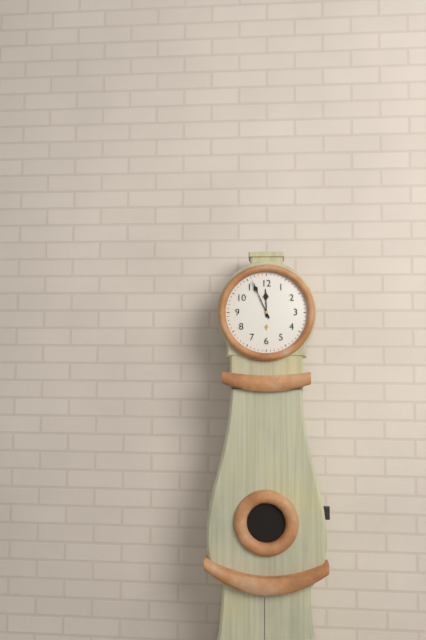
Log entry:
**11:56**
